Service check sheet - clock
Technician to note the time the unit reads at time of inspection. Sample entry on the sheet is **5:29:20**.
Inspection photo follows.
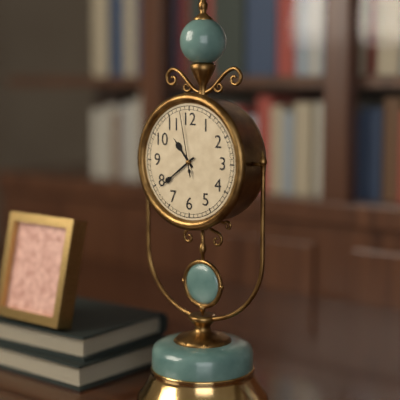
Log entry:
**10:39:58**
